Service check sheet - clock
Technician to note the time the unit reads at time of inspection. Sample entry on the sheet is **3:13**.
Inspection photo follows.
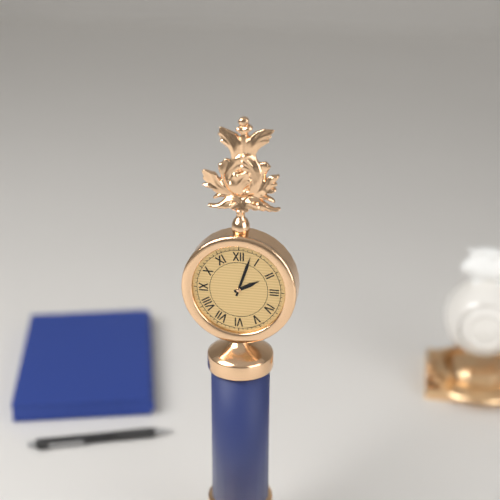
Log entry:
**2:03**
